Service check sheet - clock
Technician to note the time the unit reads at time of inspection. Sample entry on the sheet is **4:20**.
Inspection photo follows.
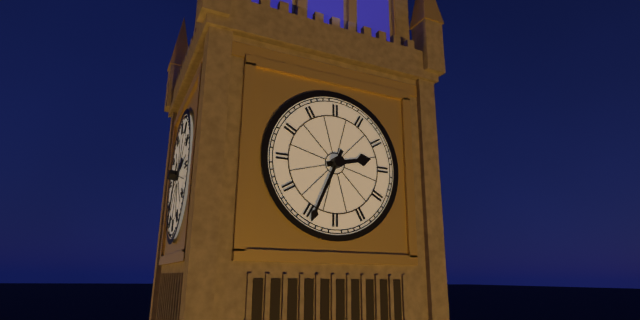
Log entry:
**2:34**
